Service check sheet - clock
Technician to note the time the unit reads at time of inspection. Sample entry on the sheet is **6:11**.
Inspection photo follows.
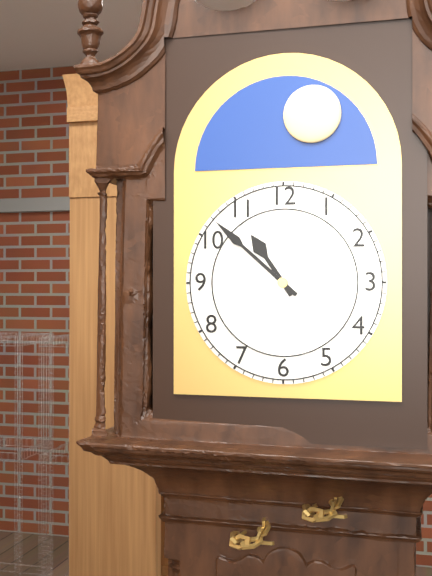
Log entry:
**10:52**
